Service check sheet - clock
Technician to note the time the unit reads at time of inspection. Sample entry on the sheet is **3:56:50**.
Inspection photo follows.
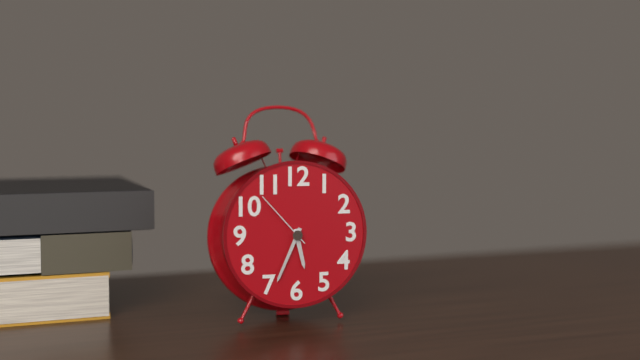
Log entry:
**5:34:53**
